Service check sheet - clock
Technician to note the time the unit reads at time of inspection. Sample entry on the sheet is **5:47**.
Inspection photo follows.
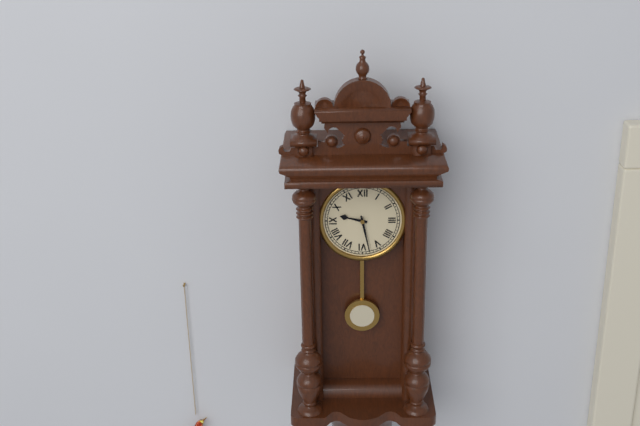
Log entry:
**9:28**
